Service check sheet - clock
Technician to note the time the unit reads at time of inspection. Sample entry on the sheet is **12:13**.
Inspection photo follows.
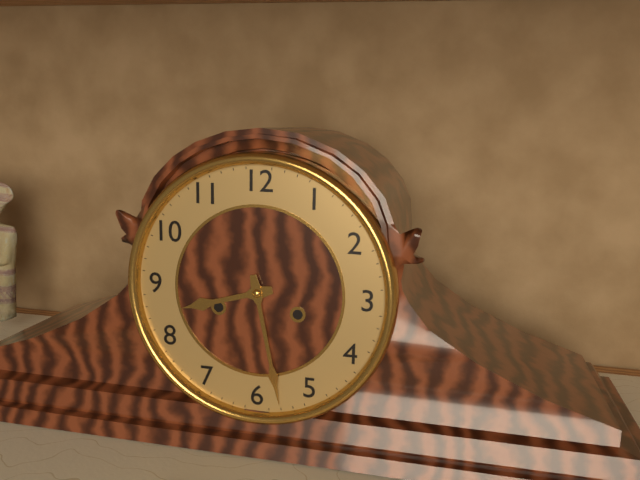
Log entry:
**8:28**
